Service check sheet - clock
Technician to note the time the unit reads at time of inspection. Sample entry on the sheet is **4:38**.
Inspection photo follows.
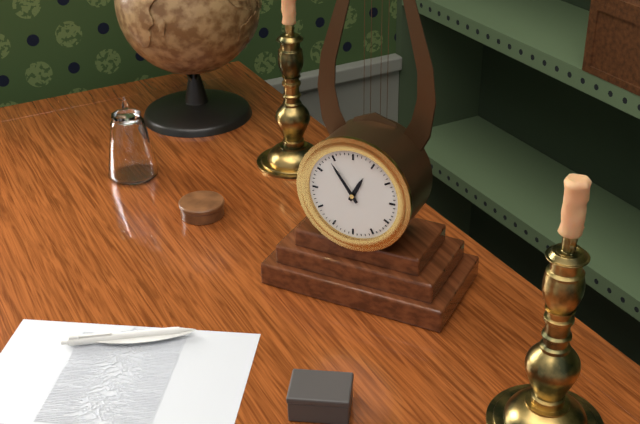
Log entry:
**12:54**
